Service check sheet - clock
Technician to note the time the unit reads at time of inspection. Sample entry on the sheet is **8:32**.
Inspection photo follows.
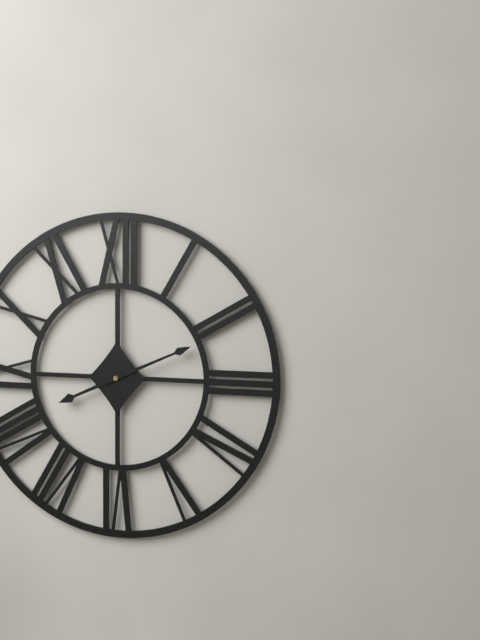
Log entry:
**8:11**
